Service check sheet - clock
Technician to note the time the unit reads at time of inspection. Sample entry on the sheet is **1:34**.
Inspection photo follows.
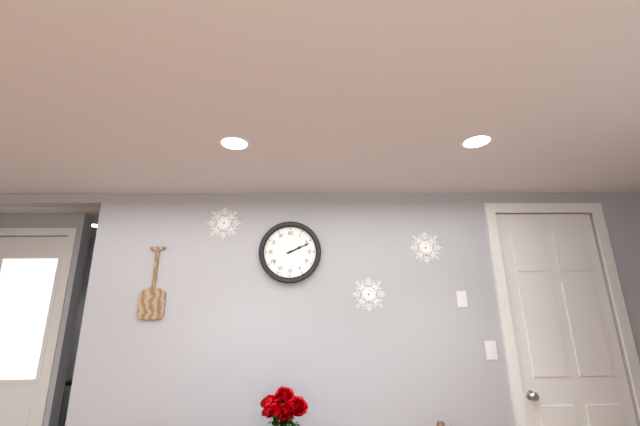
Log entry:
**2:11**
